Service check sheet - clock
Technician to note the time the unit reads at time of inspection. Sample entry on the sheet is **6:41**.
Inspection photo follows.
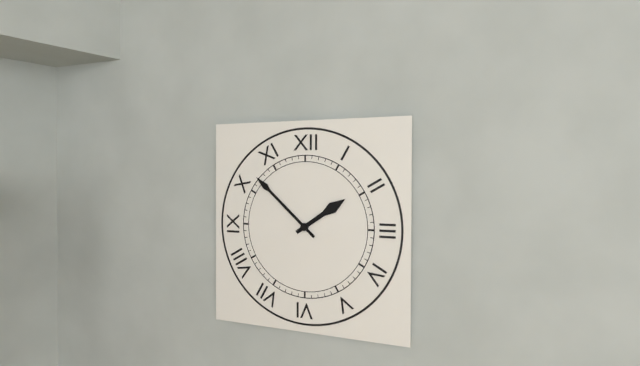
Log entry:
**1:52**
